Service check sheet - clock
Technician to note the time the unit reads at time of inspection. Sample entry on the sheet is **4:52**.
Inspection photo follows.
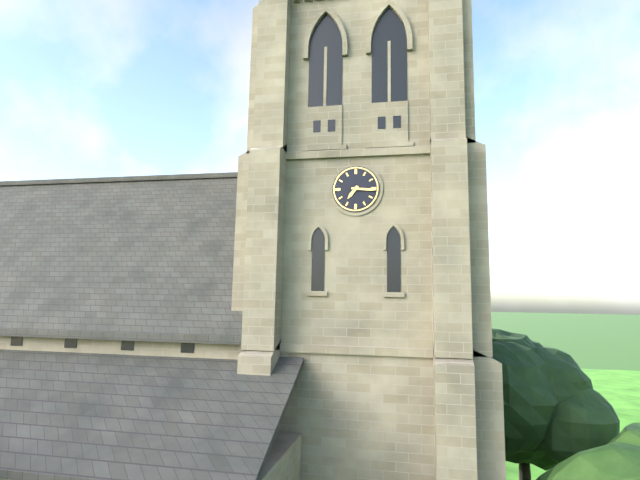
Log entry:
**7:16**
